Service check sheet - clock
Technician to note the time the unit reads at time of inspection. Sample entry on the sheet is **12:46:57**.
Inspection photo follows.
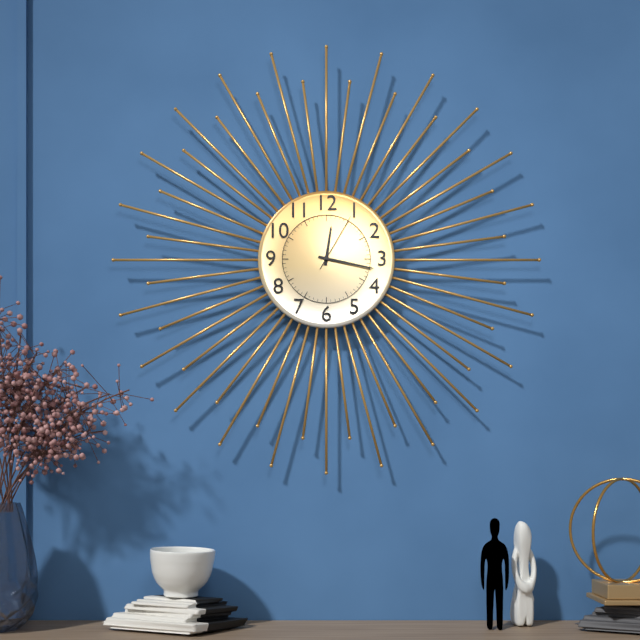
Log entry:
**12:17:05**
